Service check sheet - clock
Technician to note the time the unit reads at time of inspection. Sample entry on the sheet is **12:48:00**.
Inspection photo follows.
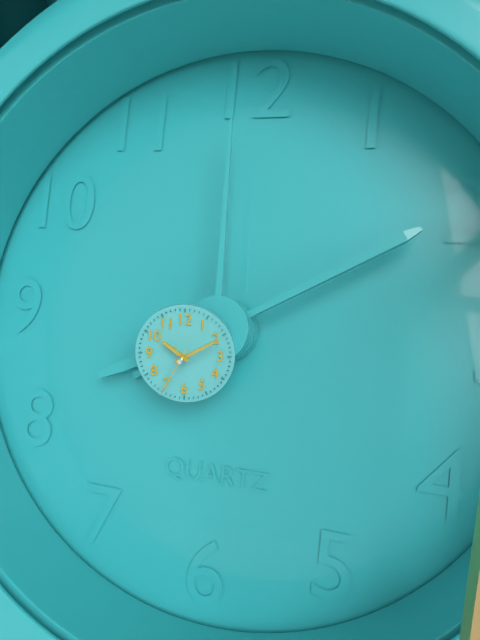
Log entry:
**10:10:35**
